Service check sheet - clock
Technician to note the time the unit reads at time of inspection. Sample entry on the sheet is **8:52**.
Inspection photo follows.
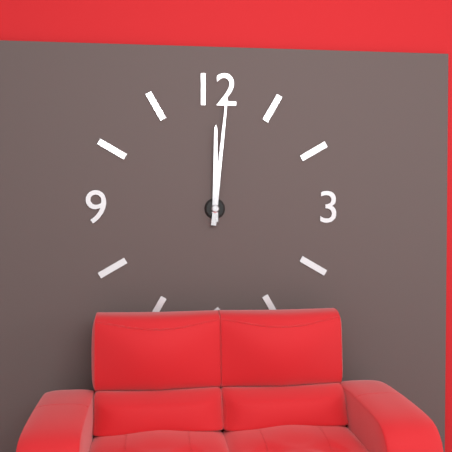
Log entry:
**12:01**
